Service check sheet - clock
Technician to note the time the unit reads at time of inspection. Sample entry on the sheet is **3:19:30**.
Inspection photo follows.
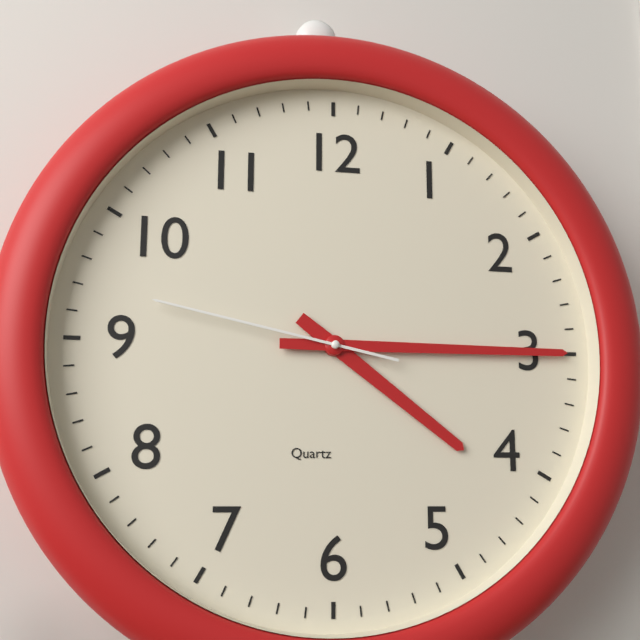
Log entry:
**4:15:47**
